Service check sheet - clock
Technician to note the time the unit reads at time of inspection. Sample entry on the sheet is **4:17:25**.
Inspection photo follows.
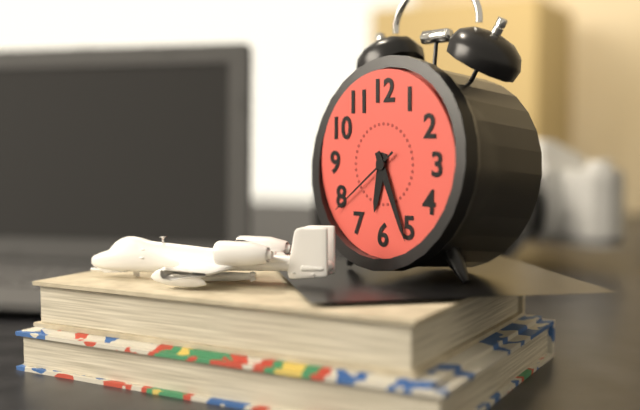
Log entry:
**6:26:39**
